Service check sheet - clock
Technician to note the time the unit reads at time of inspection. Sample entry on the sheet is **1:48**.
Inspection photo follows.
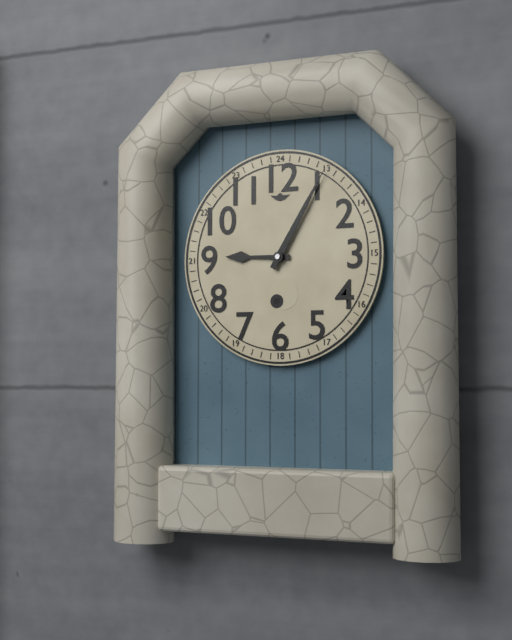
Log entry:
**9:05**
